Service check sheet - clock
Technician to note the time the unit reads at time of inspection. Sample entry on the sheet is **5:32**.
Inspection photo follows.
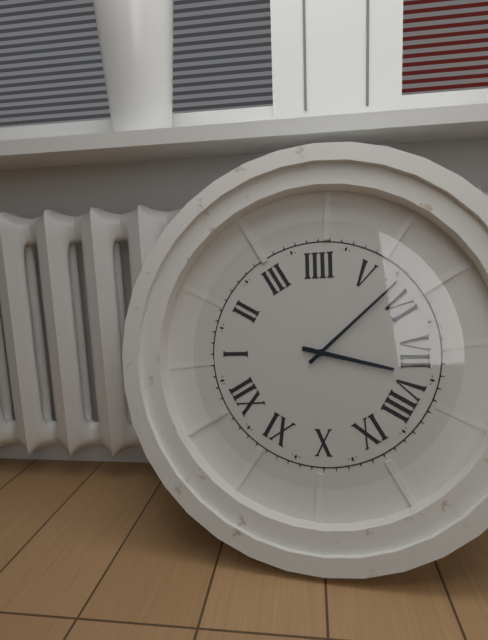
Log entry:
**7:28**
